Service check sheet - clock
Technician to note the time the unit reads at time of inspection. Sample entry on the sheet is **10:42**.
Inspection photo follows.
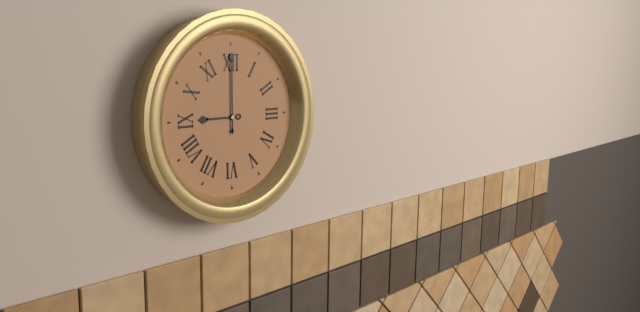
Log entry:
**9:00**
